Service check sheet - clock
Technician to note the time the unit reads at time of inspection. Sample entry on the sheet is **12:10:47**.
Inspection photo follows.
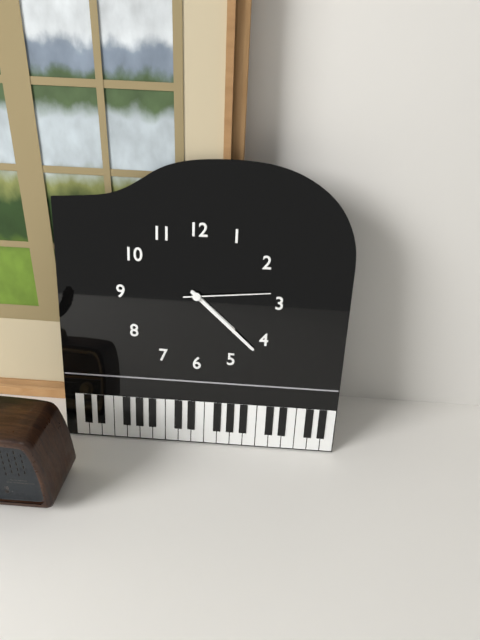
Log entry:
**4:22:14**
